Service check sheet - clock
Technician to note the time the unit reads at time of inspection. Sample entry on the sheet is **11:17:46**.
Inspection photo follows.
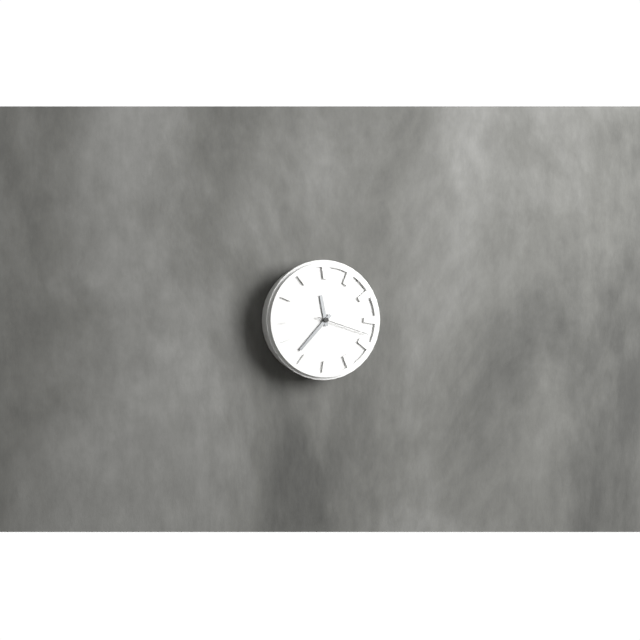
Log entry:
**11:37:18**
